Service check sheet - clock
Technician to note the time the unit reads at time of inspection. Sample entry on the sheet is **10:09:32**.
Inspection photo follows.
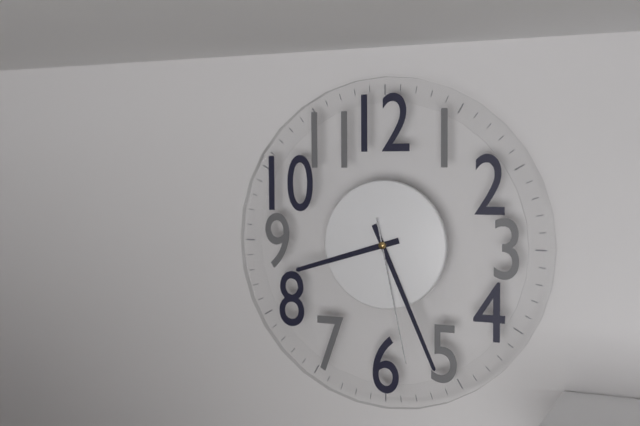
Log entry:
**8:26:28**
